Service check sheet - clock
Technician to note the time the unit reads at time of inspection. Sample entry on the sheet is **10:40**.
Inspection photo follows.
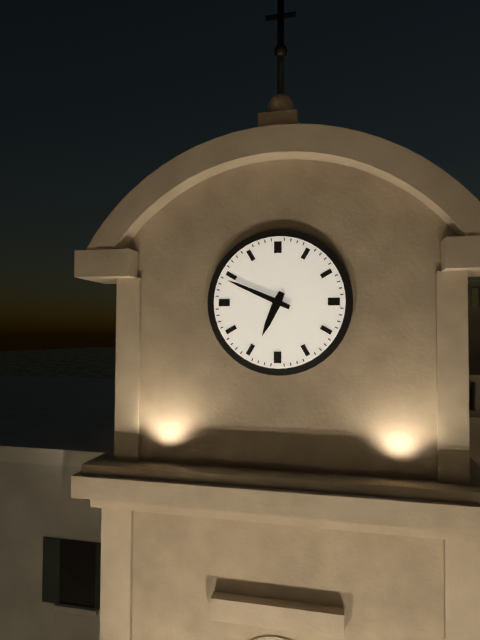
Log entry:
**6:49**
